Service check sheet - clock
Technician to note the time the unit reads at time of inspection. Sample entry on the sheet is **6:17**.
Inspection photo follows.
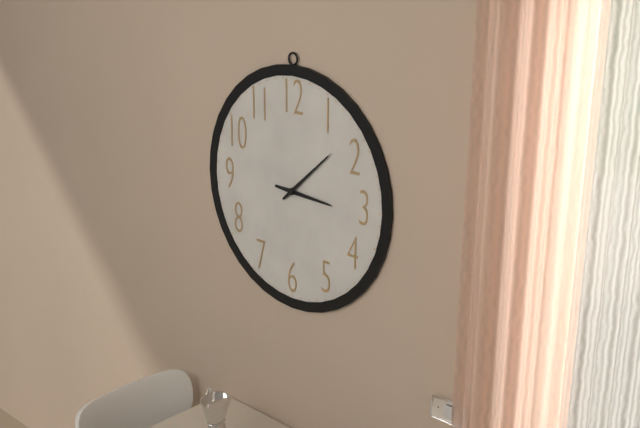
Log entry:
**3:08**
